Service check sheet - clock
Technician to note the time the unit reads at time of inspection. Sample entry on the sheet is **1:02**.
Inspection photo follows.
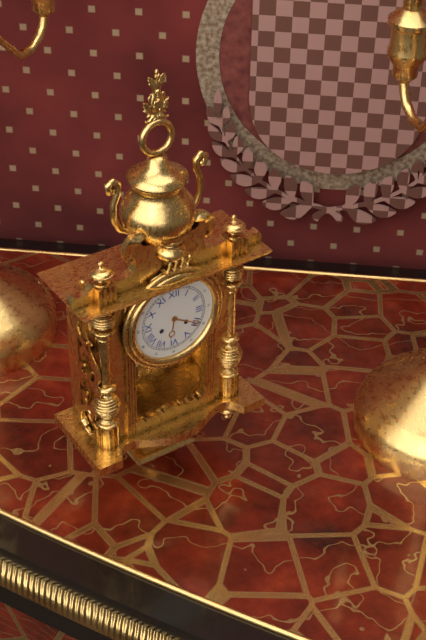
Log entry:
**6:20**
